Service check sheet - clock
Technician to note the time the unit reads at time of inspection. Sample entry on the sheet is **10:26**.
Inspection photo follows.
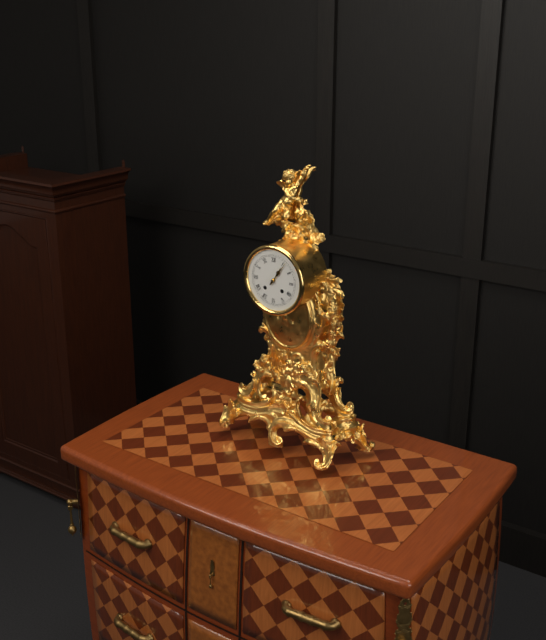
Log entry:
**1:06**
